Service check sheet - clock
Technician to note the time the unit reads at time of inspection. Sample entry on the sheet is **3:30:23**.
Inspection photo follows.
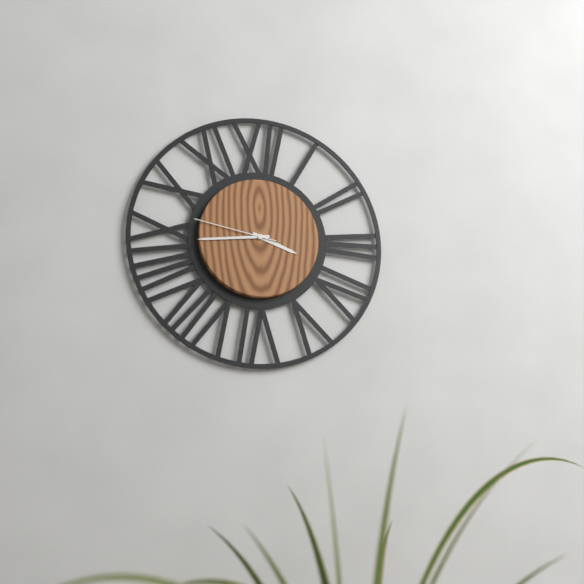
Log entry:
**3:44:47**
